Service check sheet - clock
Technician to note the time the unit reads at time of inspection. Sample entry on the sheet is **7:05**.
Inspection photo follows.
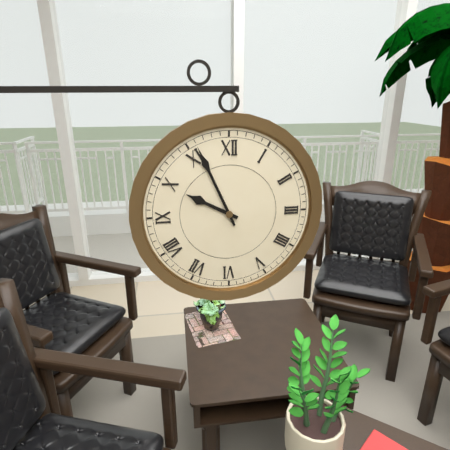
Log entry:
**9:56**
